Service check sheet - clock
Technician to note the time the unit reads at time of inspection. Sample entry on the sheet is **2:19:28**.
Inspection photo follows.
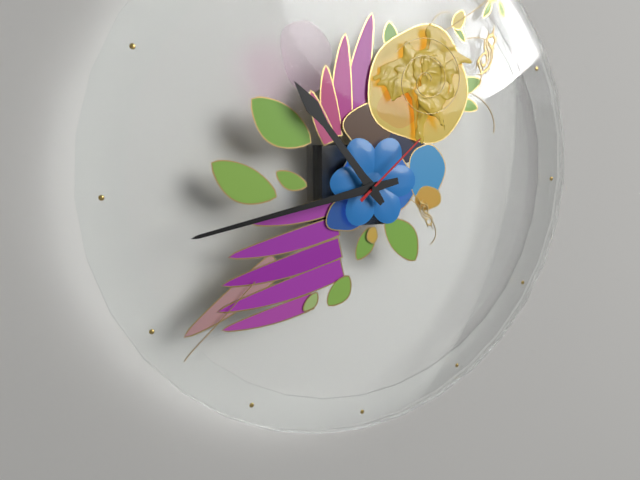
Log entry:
**10:43:08**
